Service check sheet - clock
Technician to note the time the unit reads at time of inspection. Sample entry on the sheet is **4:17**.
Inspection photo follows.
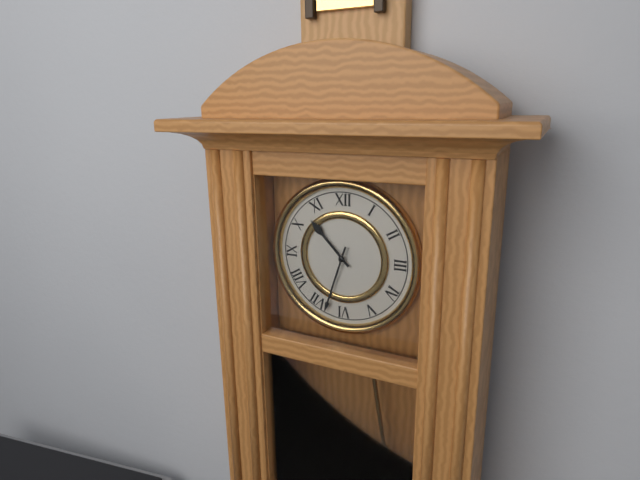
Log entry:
**10:33**
